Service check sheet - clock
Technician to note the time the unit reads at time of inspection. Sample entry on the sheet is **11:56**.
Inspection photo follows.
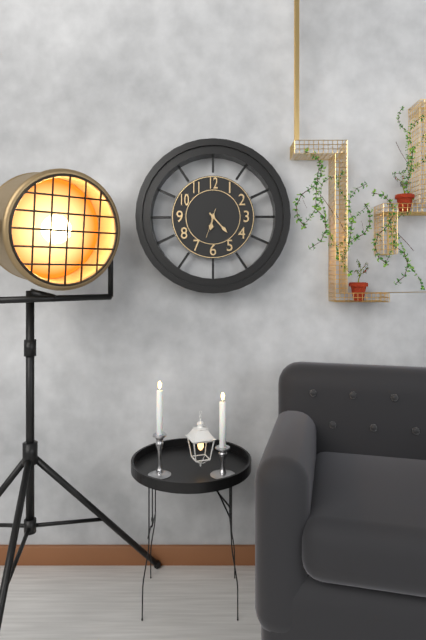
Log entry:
**6:23**
